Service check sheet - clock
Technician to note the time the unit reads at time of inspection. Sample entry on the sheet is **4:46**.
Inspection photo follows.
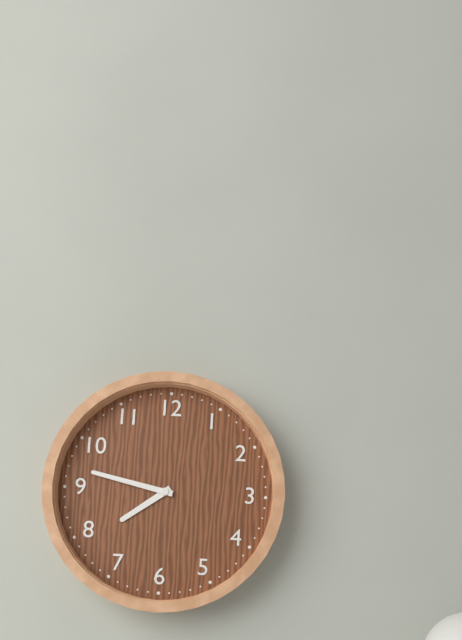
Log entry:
**7:47**
